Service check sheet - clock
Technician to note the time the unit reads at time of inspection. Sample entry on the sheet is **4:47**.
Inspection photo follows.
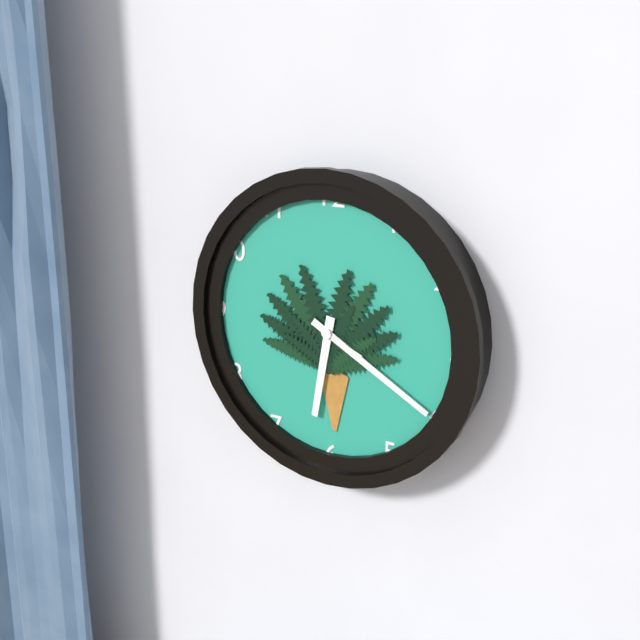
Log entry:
**6:20**
